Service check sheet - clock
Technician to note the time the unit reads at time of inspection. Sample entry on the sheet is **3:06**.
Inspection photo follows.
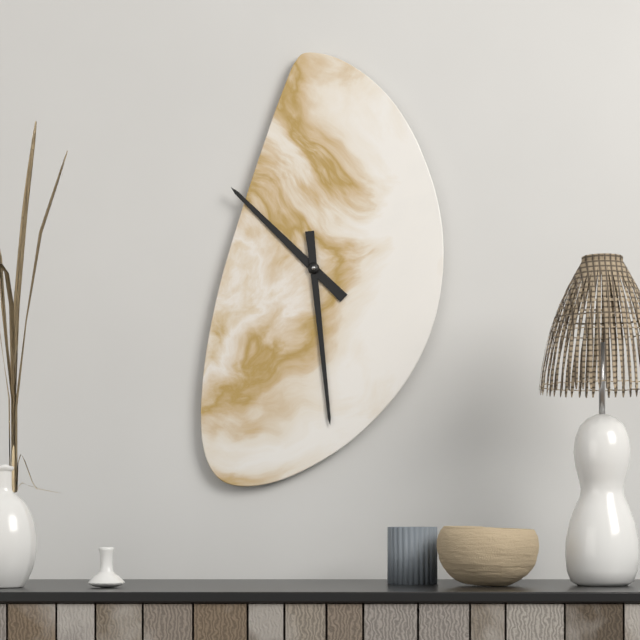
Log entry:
**10:29**
